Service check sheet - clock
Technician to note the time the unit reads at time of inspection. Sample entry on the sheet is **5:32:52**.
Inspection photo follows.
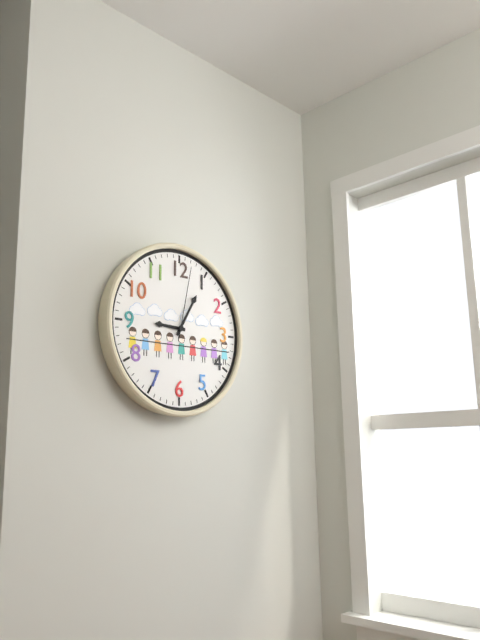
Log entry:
**9:05:02**
